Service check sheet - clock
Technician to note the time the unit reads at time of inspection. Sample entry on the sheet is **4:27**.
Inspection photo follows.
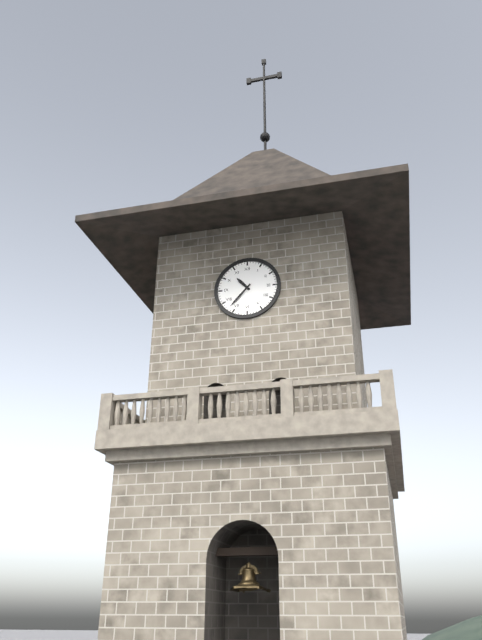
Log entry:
**10:37**
